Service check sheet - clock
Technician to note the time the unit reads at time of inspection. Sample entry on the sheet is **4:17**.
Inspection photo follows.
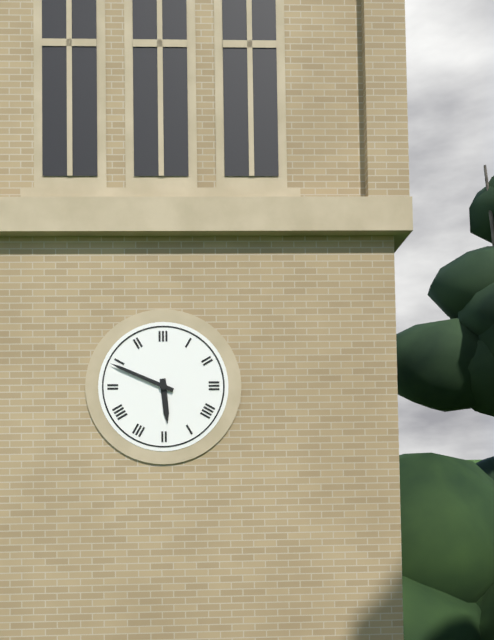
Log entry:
**5:49**
